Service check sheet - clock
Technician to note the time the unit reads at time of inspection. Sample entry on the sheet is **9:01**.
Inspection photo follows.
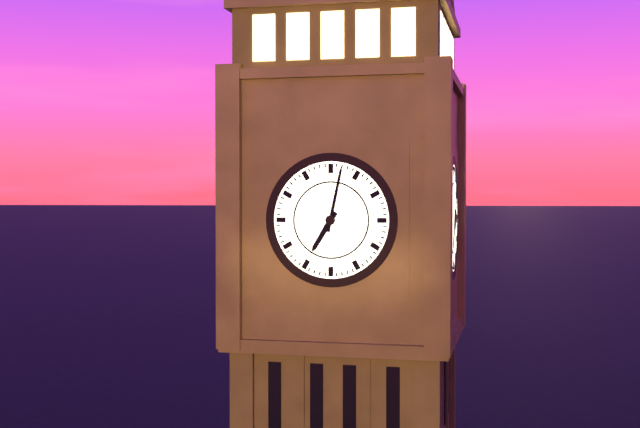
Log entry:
**7:02**
